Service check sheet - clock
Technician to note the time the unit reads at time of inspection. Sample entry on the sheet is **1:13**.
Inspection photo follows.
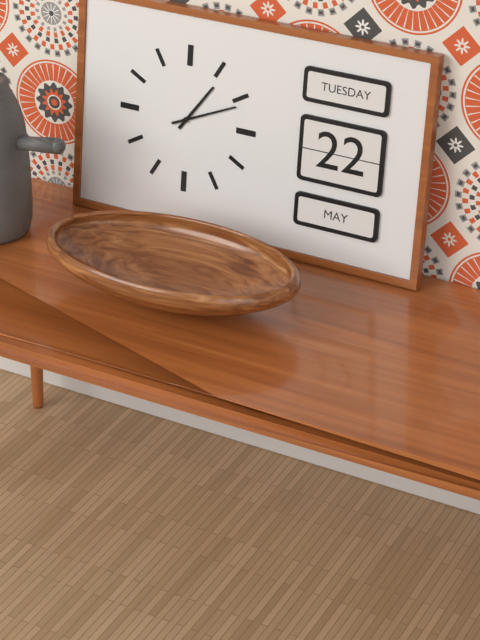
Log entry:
**1:11**
